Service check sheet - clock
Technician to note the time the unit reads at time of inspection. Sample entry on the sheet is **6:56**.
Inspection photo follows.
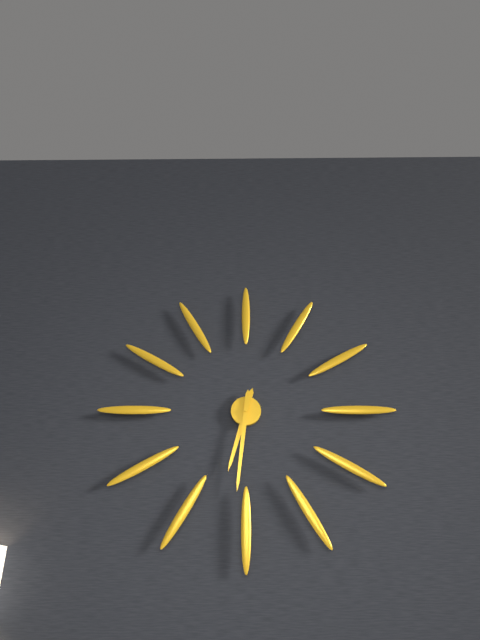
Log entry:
**6:31**
